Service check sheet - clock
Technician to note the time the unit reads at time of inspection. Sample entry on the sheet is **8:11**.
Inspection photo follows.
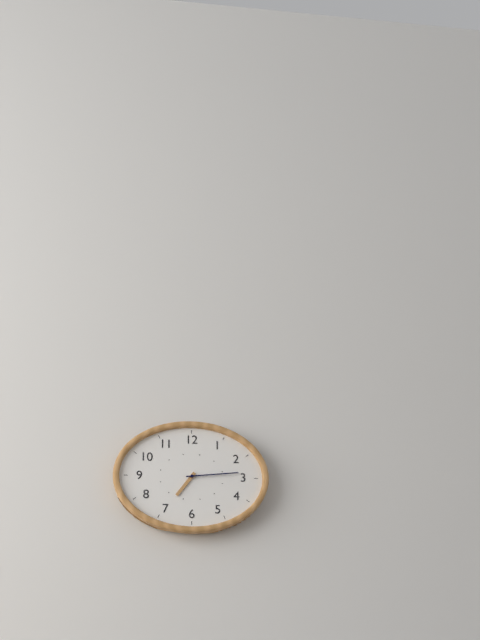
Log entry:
**7:14**
